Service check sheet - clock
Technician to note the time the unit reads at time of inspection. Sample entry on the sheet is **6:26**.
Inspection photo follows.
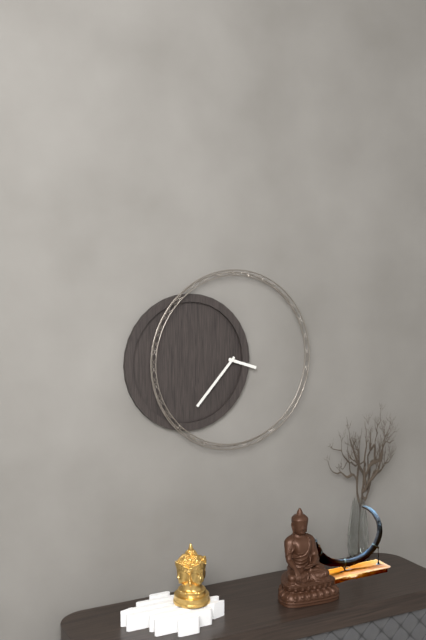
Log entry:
**3:37**
